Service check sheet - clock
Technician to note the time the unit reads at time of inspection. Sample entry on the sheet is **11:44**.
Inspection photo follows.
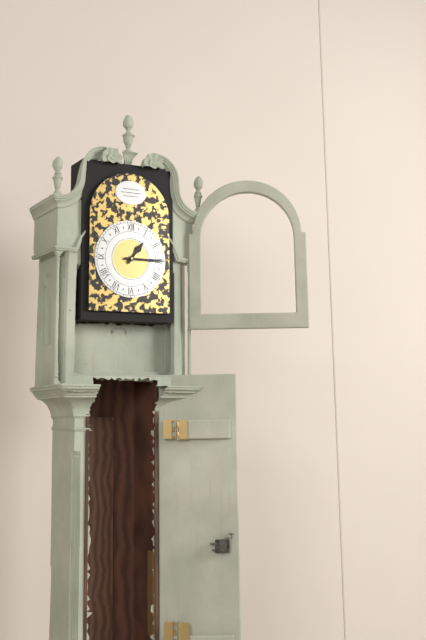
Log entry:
**1:15**
